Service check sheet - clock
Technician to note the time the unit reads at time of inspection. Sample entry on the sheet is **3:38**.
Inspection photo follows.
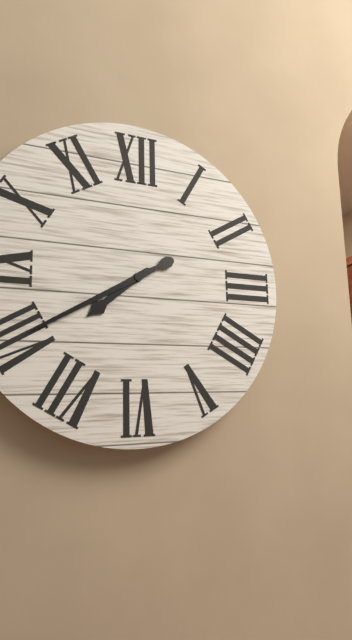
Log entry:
**7:40**
